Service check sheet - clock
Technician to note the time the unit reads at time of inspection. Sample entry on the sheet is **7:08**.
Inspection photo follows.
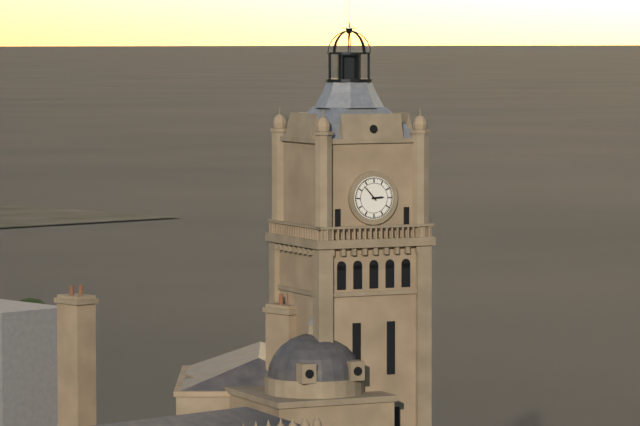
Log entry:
**2:53**
